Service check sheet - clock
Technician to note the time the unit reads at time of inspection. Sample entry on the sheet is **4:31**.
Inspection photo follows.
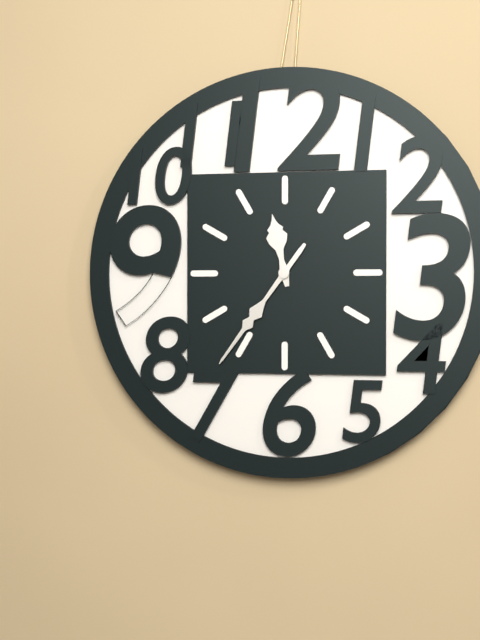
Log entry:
**11:36**
